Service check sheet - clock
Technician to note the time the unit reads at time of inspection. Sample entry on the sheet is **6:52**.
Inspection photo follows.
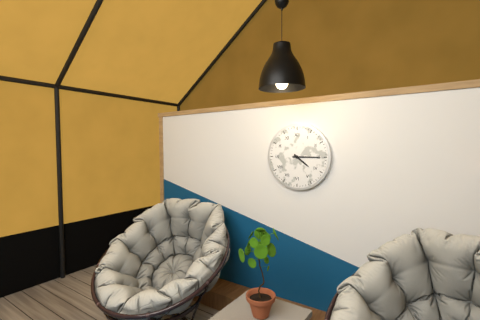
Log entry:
**4:15**
